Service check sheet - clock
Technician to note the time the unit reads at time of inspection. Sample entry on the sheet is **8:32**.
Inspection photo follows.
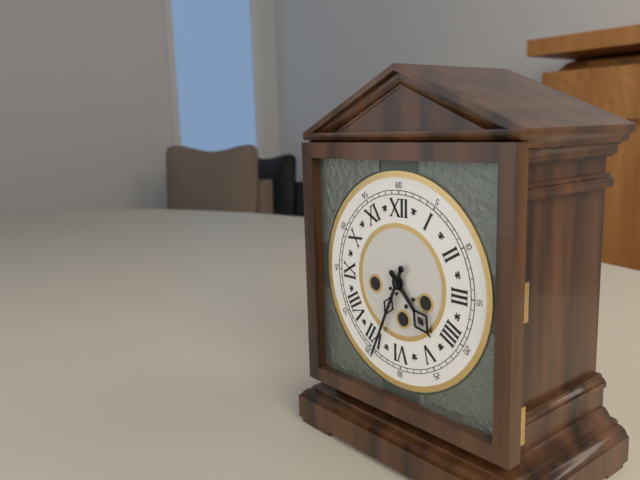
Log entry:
**4:34**
